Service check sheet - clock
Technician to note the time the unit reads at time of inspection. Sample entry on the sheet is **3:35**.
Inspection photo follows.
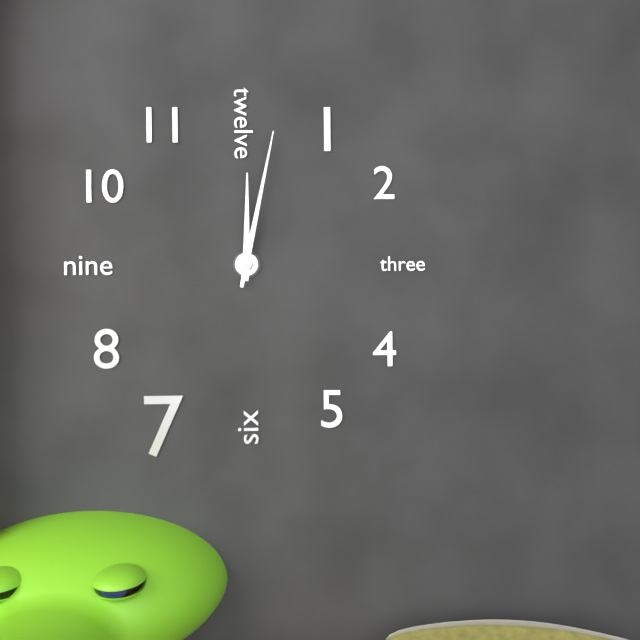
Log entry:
**12:02**
